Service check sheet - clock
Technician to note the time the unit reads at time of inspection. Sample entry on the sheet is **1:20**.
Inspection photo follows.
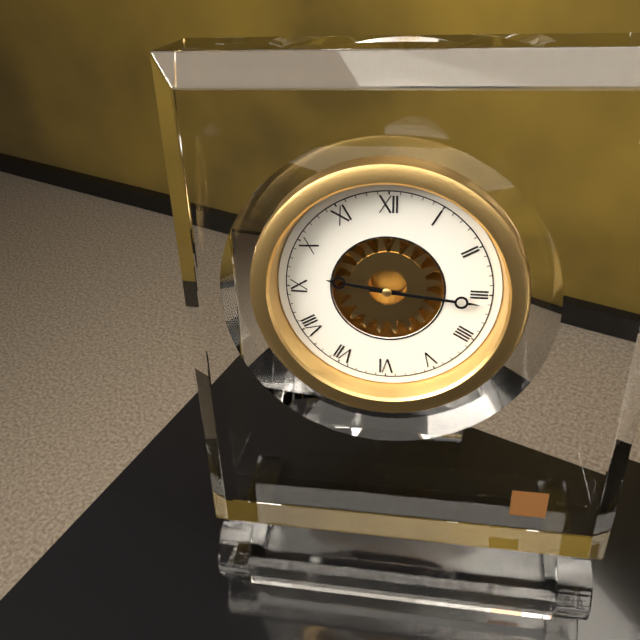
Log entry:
**9:16**
